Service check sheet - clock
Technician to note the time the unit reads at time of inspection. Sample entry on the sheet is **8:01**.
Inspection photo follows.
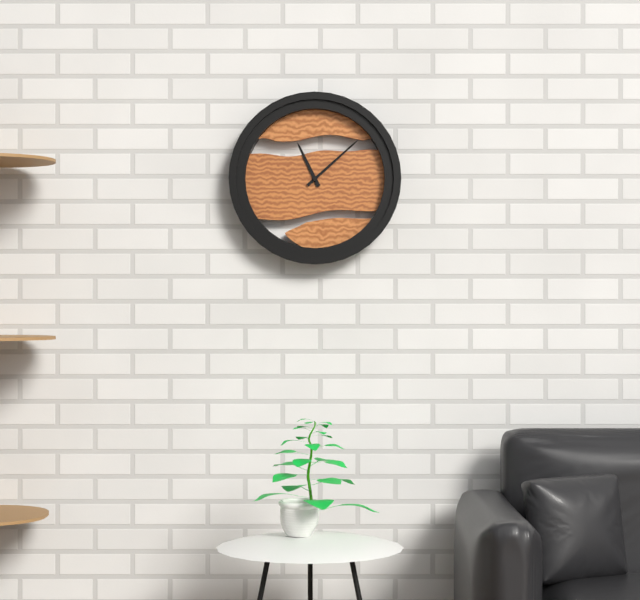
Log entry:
**11:08**
